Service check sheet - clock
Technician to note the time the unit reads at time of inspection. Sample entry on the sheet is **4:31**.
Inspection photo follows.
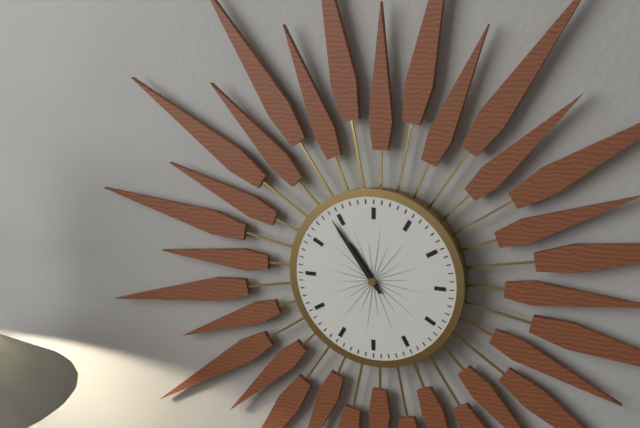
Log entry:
**10:54**
